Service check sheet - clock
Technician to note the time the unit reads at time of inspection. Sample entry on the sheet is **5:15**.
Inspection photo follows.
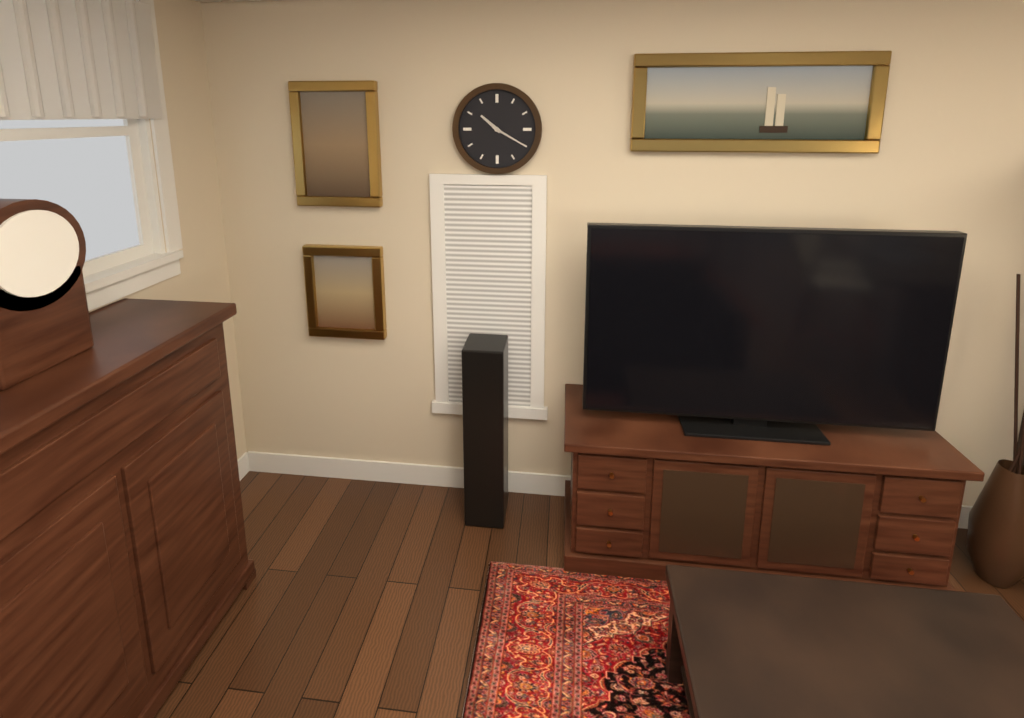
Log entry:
**10:20**
